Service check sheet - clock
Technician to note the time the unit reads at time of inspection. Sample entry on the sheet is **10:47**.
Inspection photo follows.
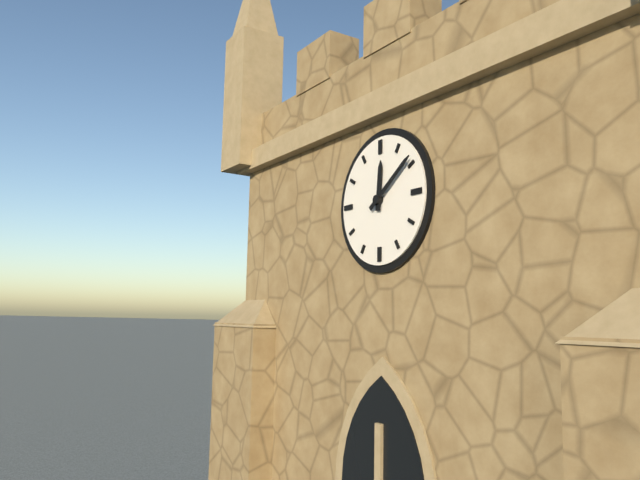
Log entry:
**12:09**
